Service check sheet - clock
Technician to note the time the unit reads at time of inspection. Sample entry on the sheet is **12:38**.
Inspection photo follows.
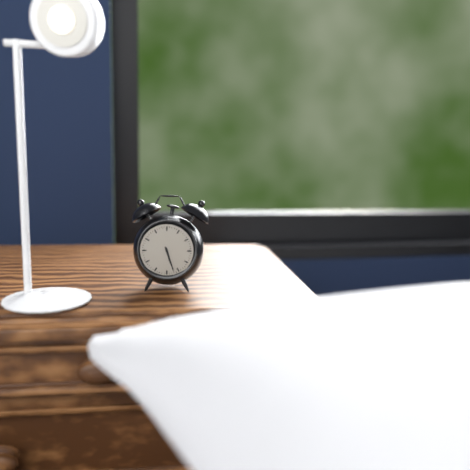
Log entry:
**5:27**
